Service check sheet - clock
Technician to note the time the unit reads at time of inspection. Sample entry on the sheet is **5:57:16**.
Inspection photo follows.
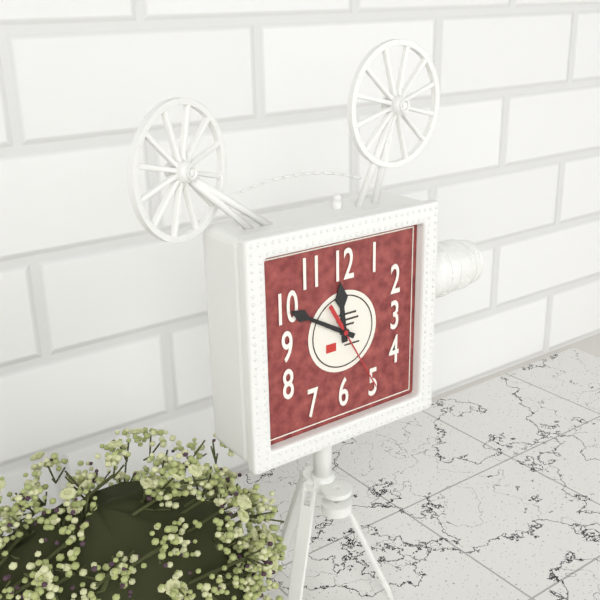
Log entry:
**11:50:25**
